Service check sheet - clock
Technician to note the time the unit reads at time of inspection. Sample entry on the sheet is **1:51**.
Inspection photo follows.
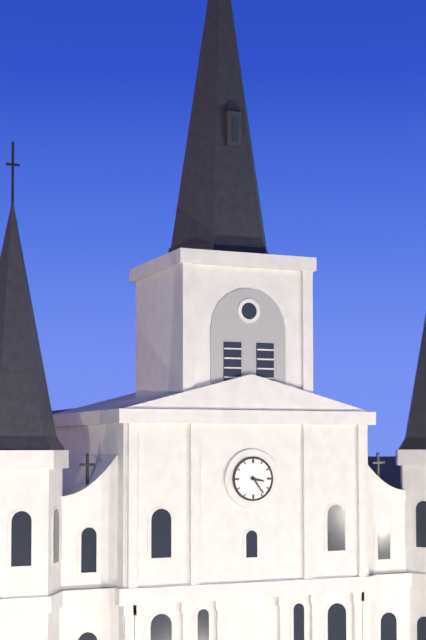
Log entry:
**3:24**
